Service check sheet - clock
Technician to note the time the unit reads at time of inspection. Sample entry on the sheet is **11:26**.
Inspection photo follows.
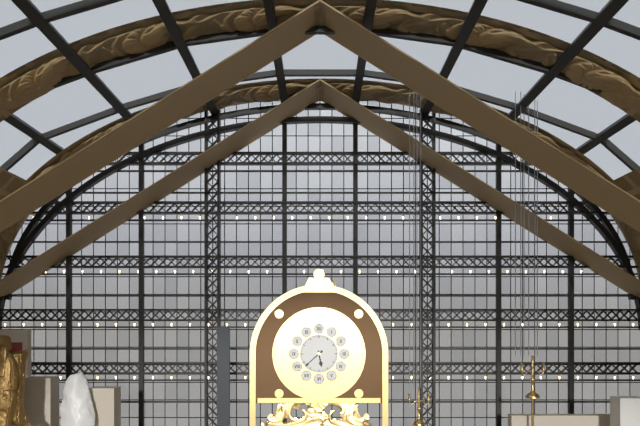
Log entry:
**5:38**
